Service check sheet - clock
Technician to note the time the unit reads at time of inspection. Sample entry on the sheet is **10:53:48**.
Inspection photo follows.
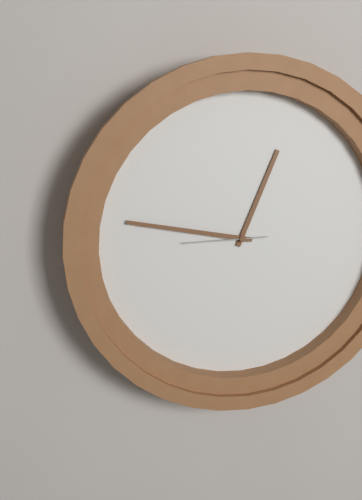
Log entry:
**12:47:45**
